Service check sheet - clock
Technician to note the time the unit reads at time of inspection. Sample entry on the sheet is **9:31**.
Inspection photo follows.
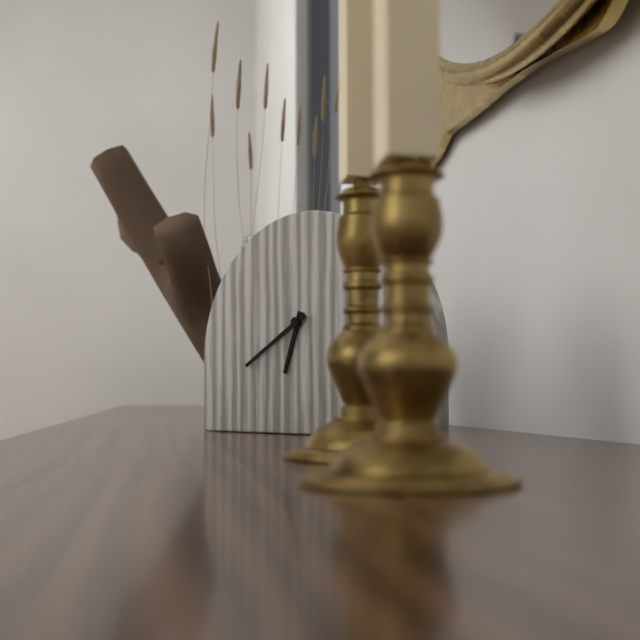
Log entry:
**6:40**
